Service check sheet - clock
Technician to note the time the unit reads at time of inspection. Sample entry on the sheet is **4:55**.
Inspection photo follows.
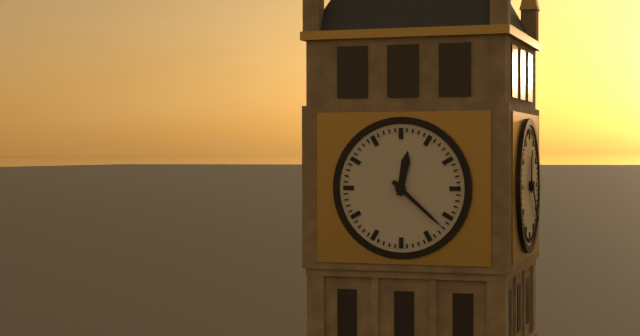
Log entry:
**12:22**
